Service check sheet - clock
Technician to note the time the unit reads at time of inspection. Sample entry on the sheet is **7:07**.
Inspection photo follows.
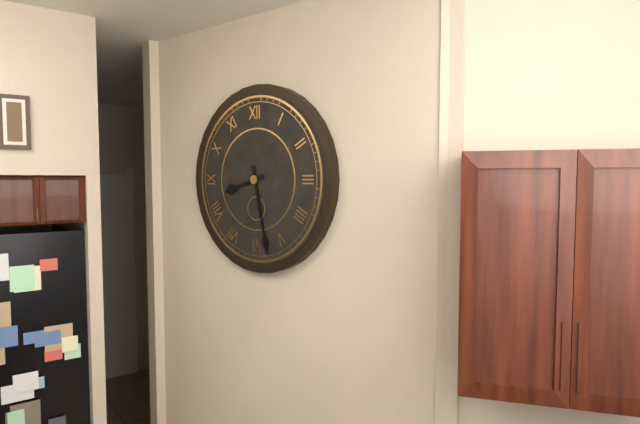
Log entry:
**8:28**
